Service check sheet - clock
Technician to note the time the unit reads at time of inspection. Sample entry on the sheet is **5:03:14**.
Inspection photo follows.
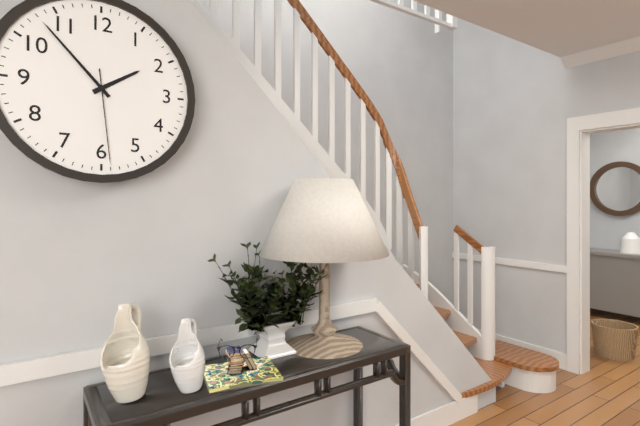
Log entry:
**1:53:29**
